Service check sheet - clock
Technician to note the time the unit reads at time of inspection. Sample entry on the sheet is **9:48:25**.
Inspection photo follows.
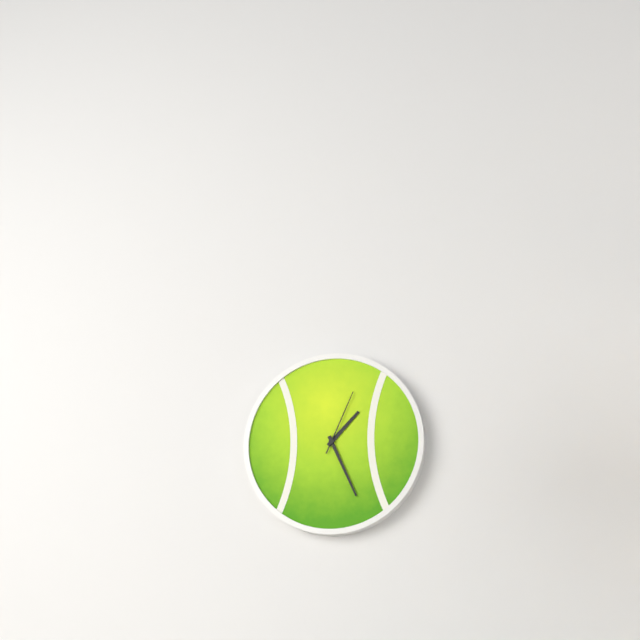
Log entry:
**1:26:04**
